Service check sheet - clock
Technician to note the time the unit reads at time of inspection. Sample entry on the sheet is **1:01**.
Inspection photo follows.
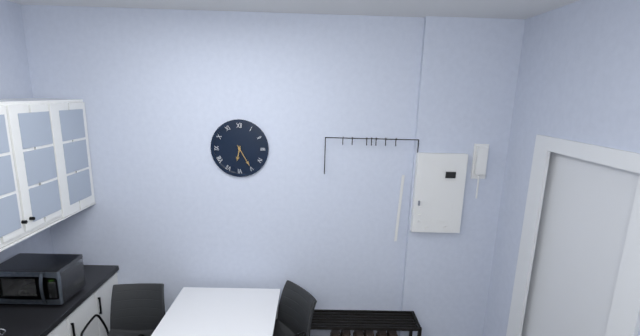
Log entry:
**6:25**
